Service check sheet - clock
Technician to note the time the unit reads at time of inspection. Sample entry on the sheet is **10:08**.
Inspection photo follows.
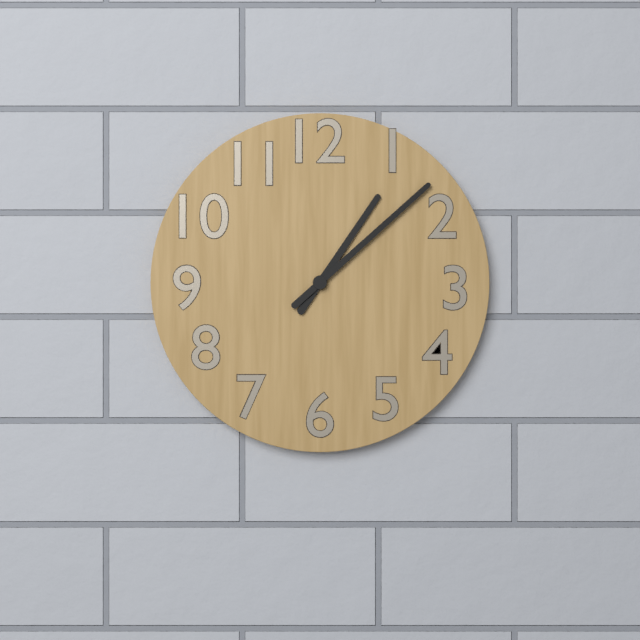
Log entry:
**1:08**
